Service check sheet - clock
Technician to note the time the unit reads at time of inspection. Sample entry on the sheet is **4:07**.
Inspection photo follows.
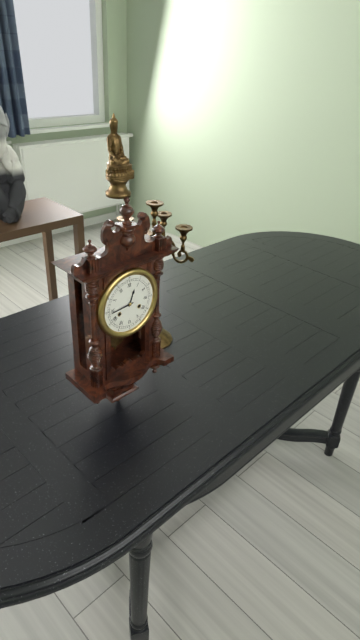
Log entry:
**12:44**
